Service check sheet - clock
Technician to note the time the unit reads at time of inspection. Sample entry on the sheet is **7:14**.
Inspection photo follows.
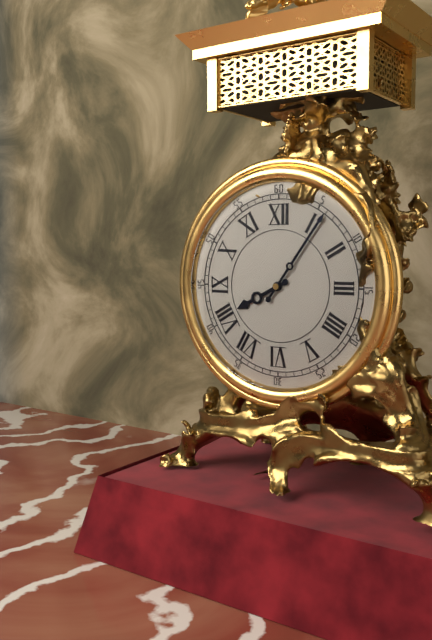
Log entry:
**8:06**
